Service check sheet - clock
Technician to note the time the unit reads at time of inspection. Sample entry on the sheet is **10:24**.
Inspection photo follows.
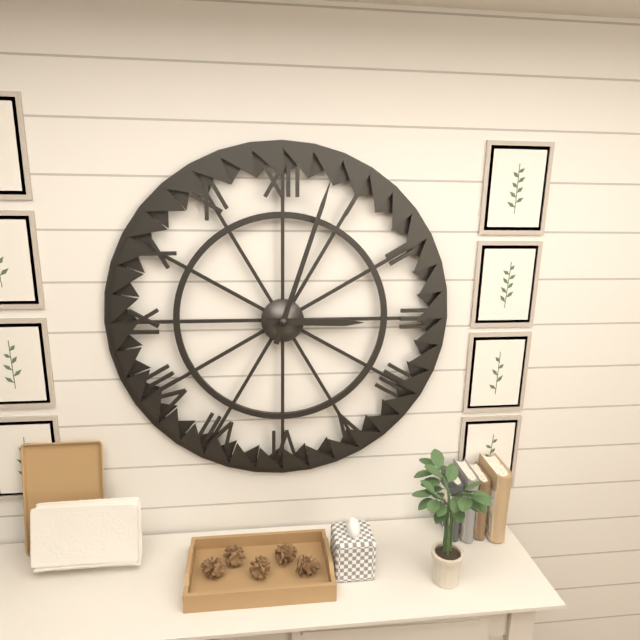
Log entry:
**3:03**
